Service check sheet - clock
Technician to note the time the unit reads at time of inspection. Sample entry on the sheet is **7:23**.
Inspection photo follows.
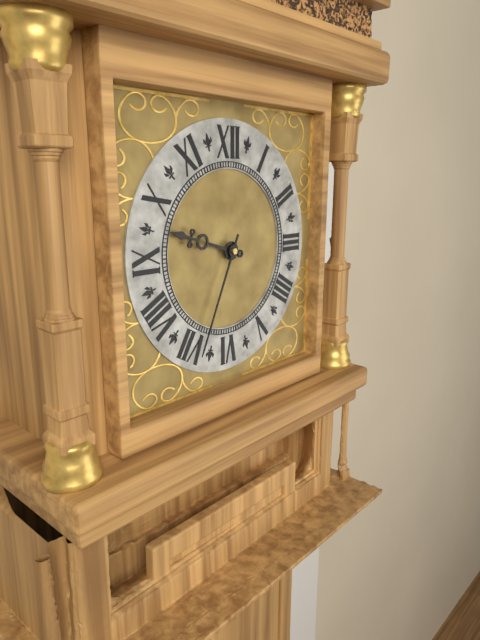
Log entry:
**9:34**
